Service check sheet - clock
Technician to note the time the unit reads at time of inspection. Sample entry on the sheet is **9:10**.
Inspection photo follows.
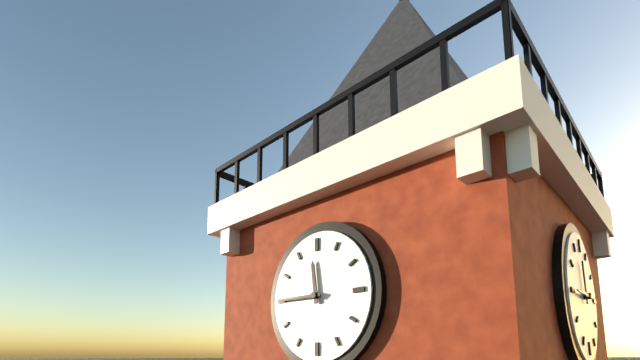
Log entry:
**11:45**
